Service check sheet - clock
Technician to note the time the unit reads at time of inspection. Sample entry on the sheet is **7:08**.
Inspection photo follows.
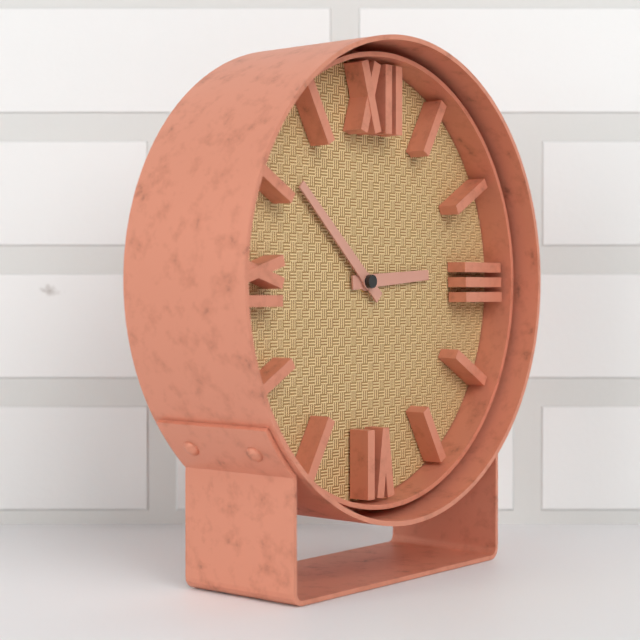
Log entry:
**2:52**
